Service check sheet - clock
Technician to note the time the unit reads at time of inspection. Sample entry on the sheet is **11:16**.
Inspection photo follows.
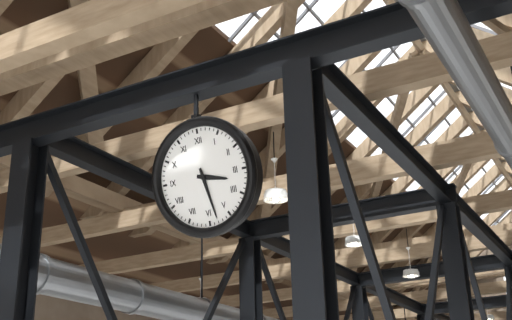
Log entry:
**3:28**
